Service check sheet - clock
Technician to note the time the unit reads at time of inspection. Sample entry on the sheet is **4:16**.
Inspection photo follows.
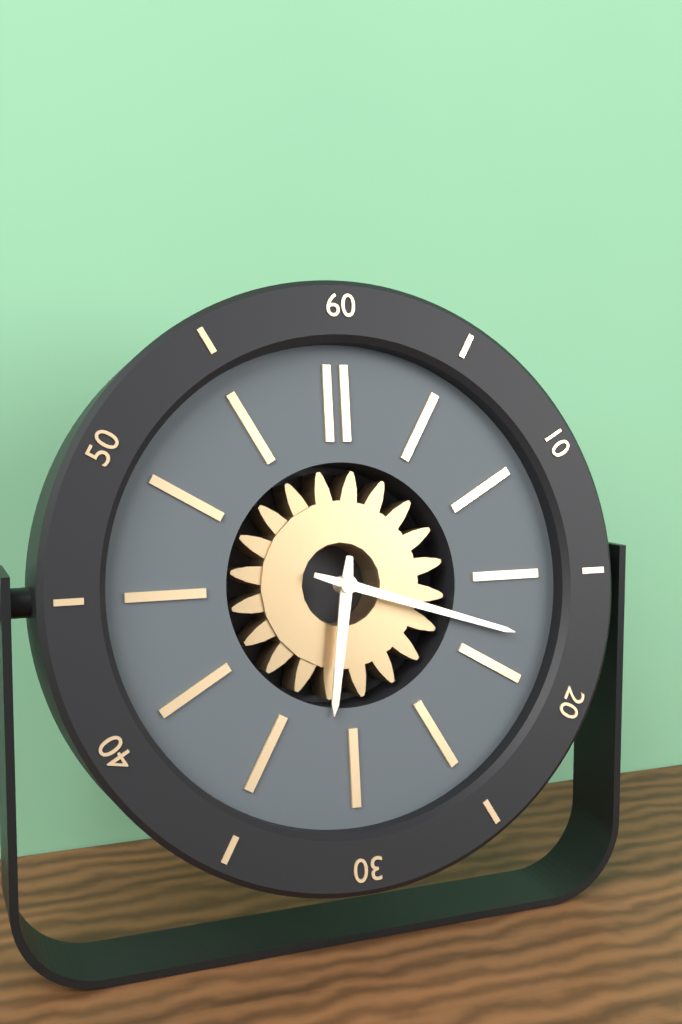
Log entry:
**6:18**
